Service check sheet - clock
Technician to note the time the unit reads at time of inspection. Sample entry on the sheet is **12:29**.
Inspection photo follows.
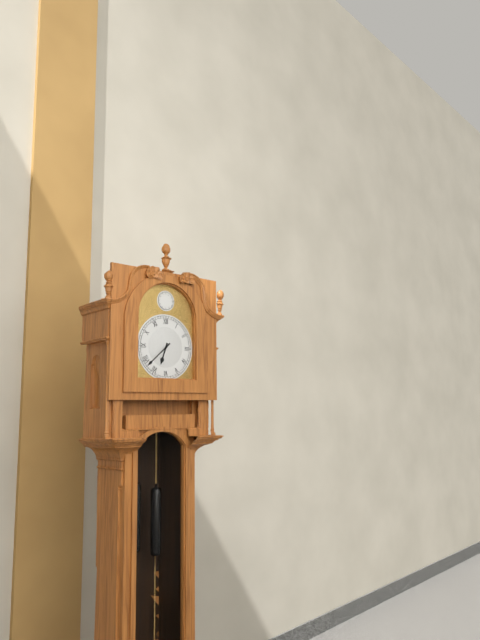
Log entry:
**6:38**
